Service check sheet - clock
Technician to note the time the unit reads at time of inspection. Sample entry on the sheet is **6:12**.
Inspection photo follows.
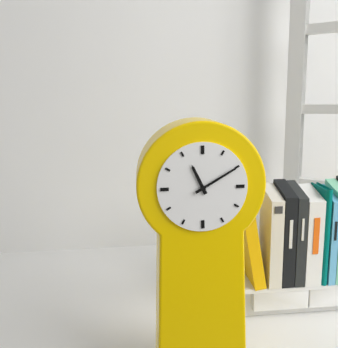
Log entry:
**11:10**
